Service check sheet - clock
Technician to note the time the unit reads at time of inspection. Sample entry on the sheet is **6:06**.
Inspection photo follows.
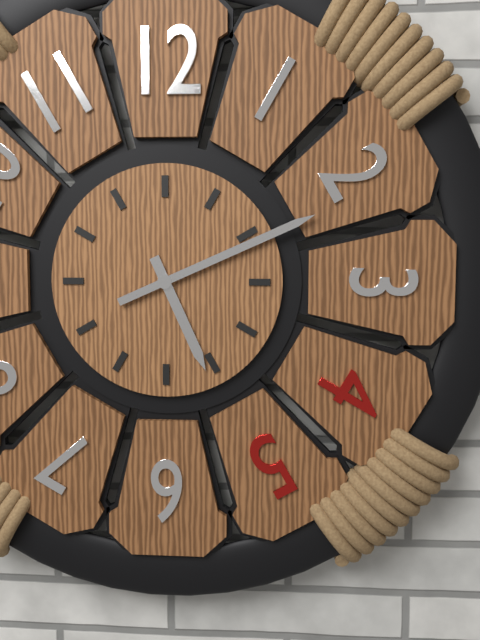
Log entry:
**5:11**
